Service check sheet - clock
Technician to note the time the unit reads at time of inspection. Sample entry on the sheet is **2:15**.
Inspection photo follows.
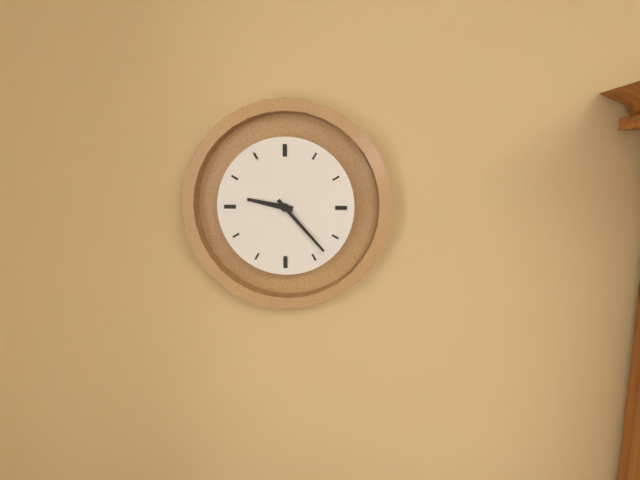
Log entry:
**9:23**
